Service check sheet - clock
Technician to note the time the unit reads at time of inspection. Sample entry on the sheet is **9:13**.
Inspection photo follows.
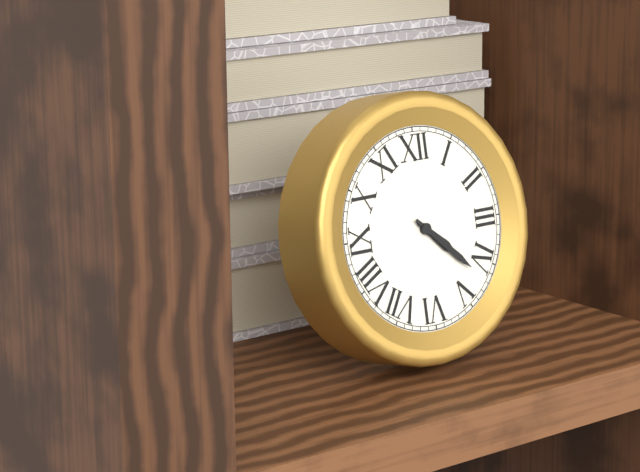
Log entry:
**4:22**
